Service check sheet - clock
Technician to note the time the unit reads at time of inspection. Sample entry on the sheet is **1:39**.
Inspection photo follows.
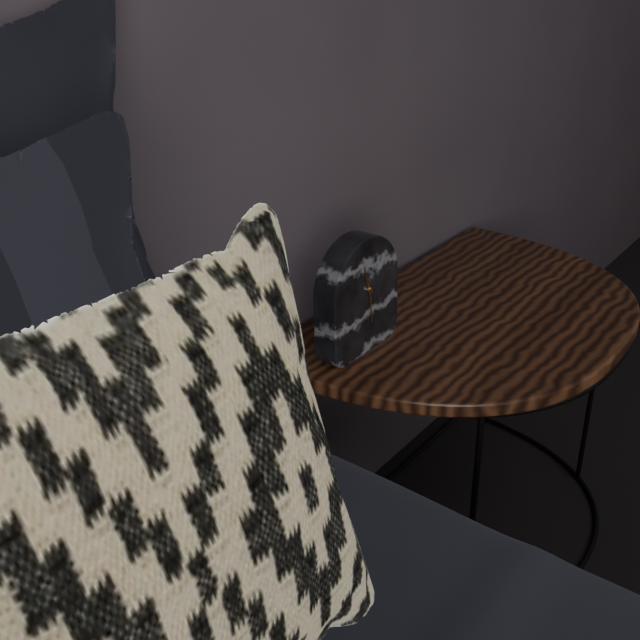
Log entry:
**11:29**
